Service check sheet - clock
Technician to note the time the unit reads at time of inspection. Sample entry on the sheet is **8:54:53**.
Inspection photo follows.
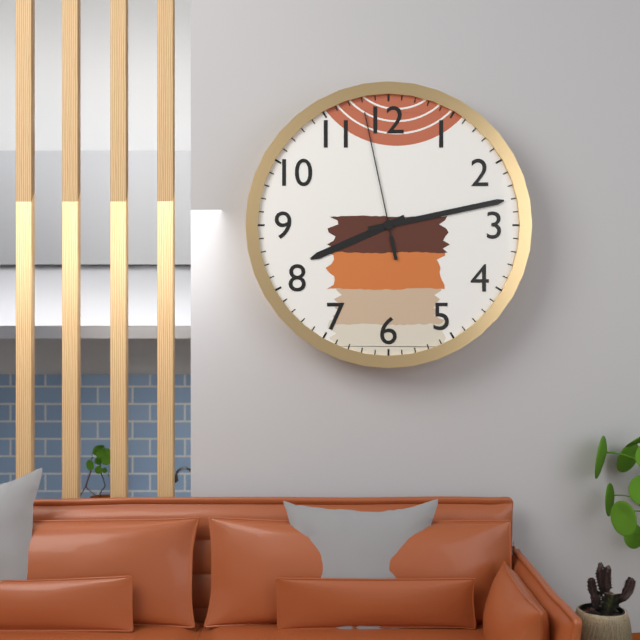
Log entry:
**8:13:58**
